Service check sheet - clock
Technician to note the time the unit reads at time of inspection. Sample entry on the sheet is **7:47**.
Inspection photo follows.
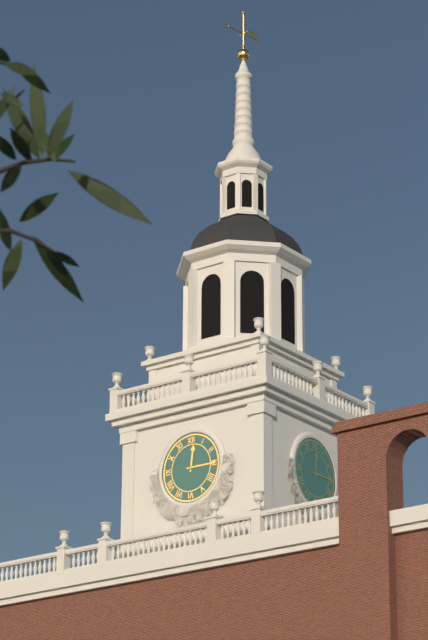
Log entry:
**12:15**
